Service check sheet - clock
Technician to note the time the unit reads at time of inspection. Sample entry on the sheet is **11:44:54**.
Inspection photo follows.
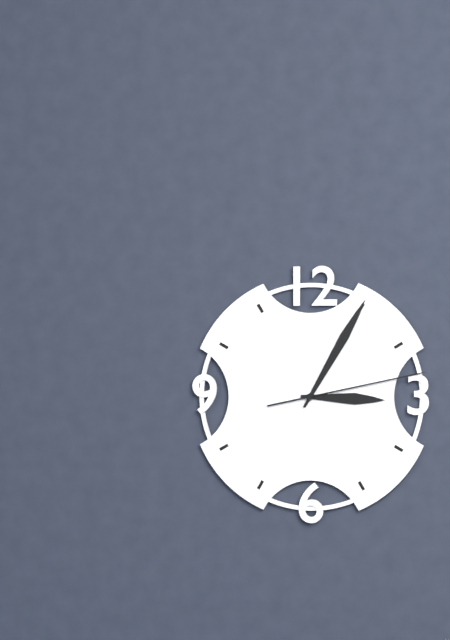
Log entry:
**3:05:13**
